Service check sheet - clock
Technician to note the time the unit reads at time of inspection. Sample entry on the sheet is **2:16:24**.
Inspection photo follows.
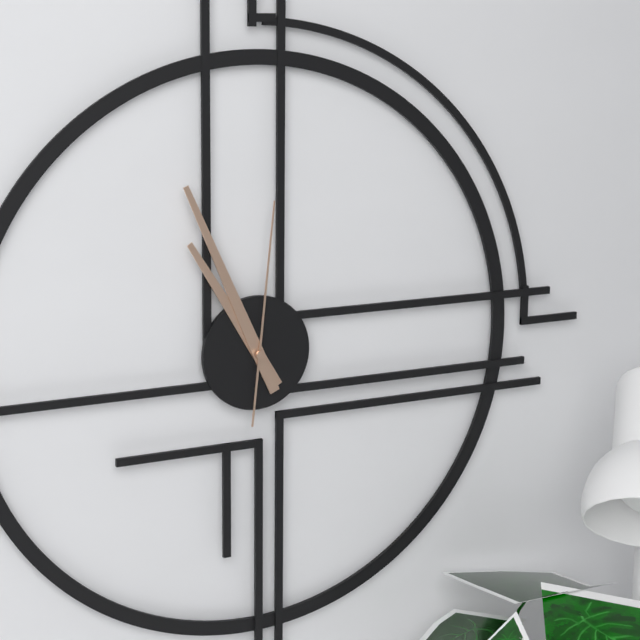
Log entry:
**10:56:01**
